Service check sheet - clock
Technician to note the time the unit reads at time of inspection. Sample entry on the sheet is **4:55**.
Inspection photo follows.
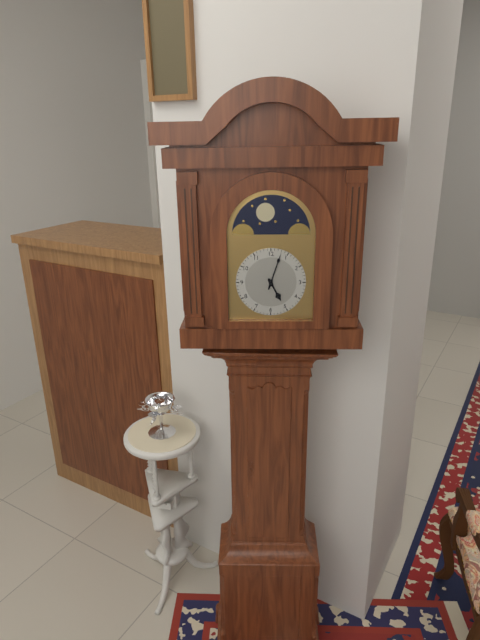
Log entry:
**5:03**
